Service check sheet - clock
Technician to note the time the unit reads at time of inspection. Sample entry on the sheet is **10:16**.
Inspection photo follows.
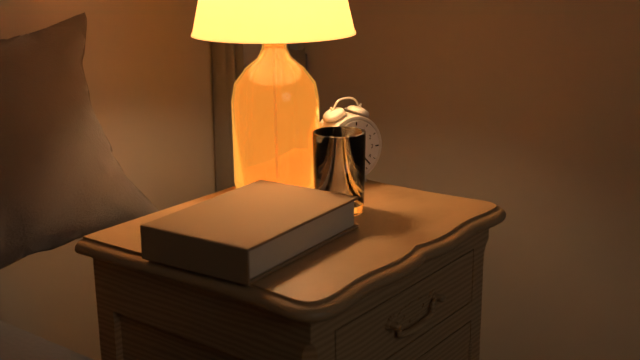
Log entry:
**7:23**
